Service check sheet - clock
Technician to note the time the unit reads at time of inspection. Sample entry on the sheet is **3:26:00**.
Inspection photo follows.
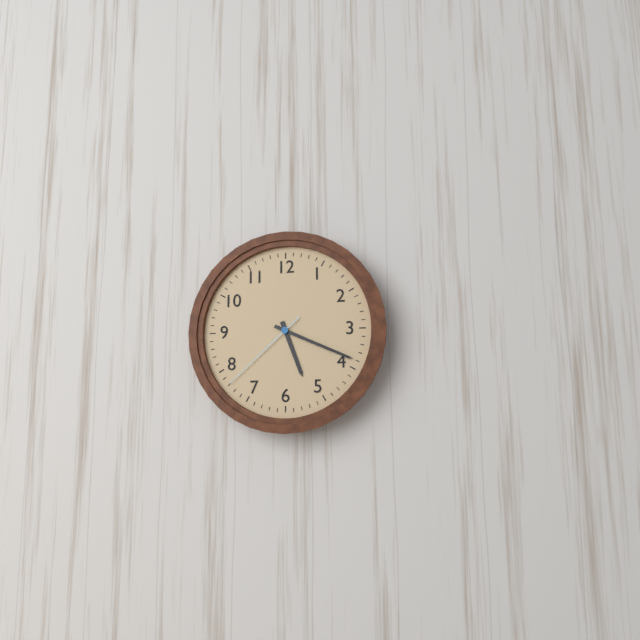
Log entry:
**5:19:38**
